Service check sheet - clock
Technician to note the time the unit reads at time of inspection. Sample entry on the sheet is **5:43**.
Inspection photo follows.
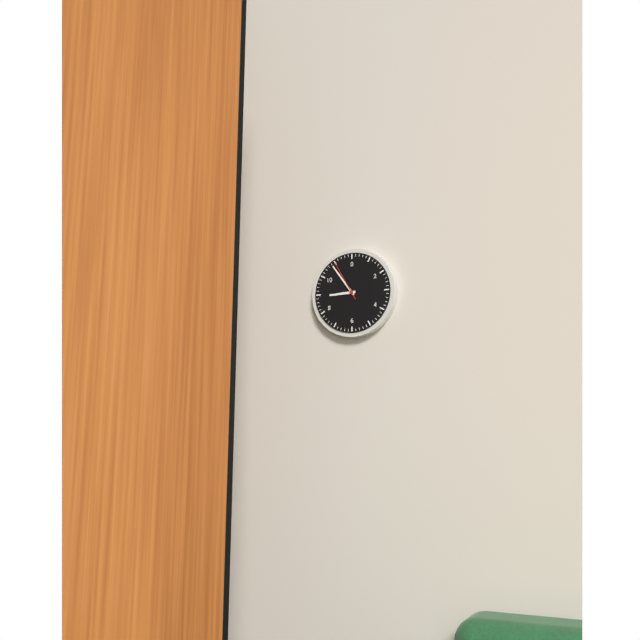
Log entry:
**8:54**
